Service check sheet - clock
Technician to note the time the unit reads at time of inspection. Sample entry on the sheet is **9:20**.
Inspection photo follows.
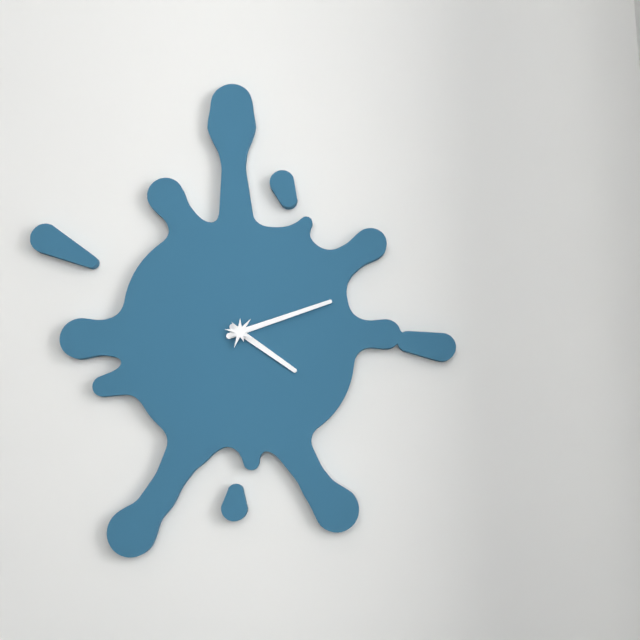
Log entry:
**4:12**
